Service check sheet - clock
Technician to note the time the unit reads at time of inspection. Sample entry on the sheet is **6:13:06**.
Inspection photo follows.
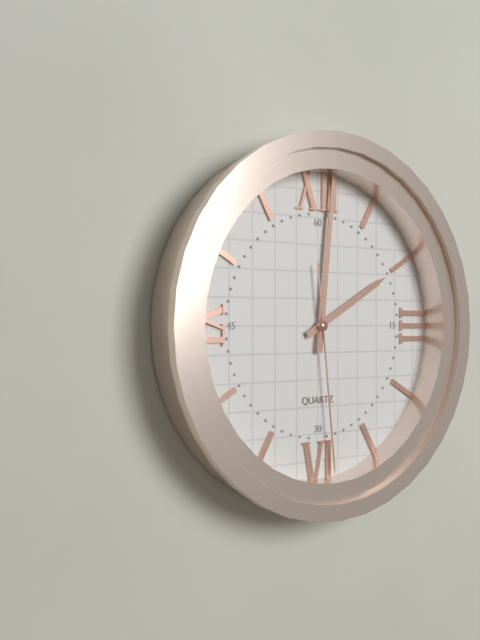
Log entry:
**2:01:29**
